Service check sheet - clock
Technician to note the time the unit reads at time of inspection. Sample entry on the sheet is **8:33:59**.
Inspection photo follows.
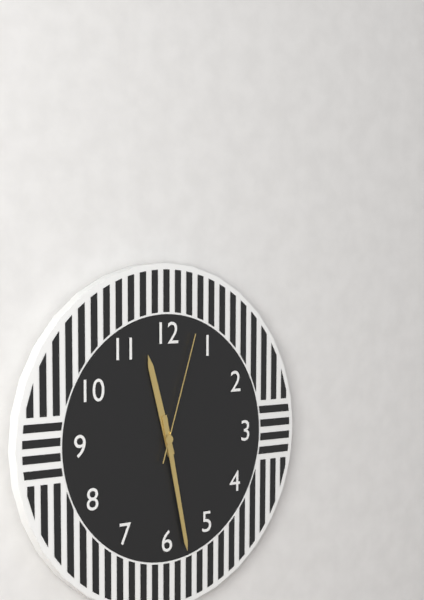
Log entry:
**11:28:03**
